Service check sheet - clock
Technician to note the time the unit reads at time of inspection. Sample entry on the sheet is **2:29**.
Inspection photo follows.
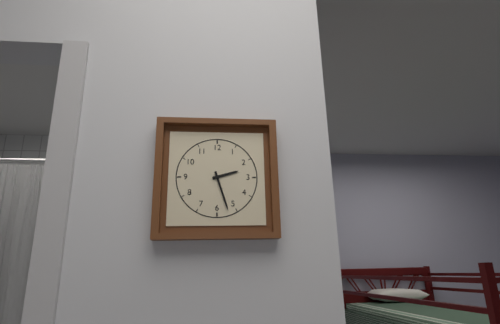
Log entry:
**2:27**
